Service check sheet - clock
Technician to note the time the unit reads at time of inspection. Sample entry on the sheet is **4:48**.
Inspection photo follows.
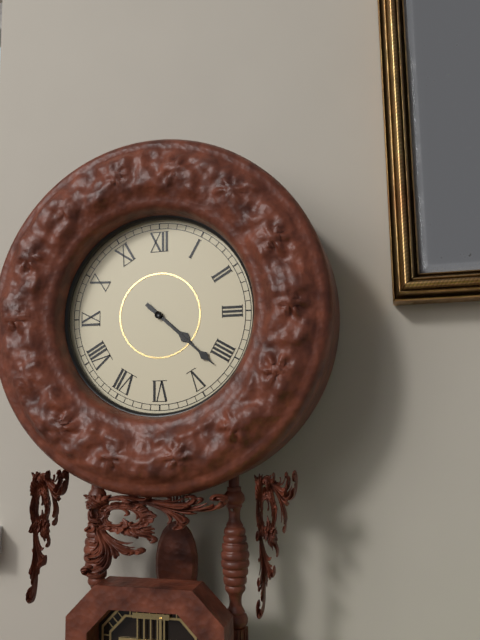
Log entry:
**4:22**
